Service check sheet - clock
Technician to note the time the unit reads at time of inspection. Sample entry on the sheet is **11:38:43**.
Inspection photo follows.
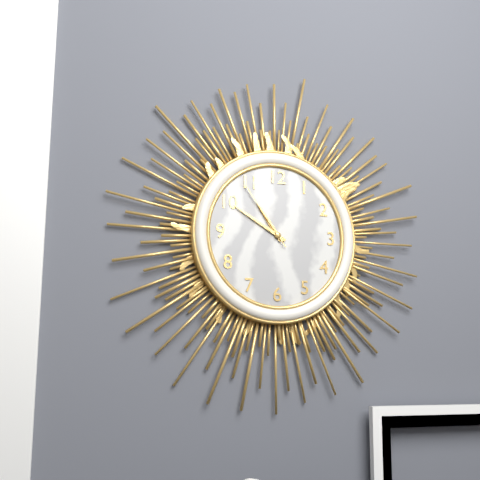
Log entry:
**10:50:54**
